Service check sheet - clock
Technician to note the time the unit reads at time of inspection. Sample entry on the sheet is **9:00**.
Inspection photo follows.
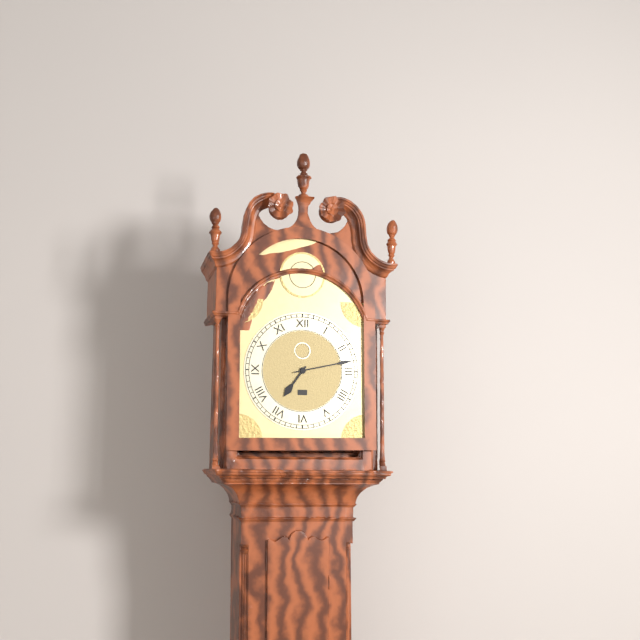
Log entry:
**7:13**
